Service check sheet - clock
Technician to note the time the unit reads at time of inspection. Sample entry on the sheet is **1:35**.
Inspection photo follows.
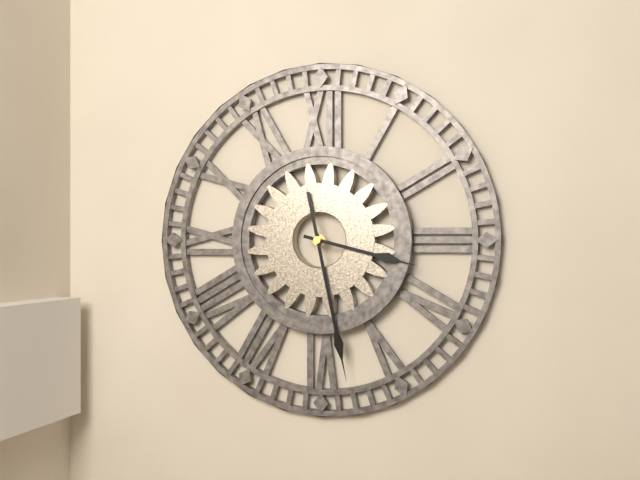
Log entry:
**3:28**
